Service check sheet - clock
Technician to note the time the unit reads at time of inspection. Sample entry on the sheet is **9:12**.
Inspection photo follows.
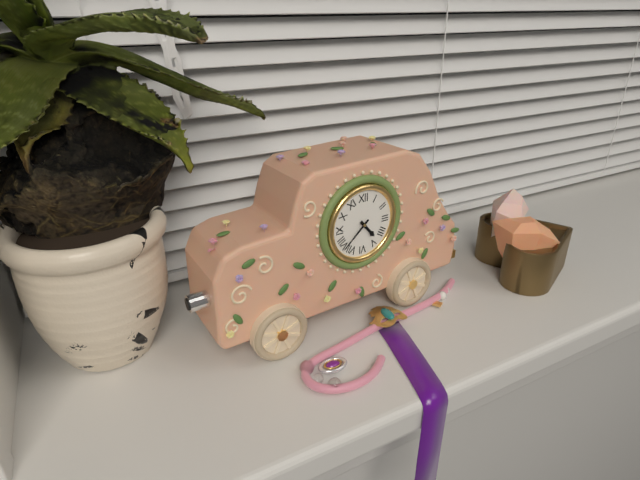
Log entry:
**4:38**
